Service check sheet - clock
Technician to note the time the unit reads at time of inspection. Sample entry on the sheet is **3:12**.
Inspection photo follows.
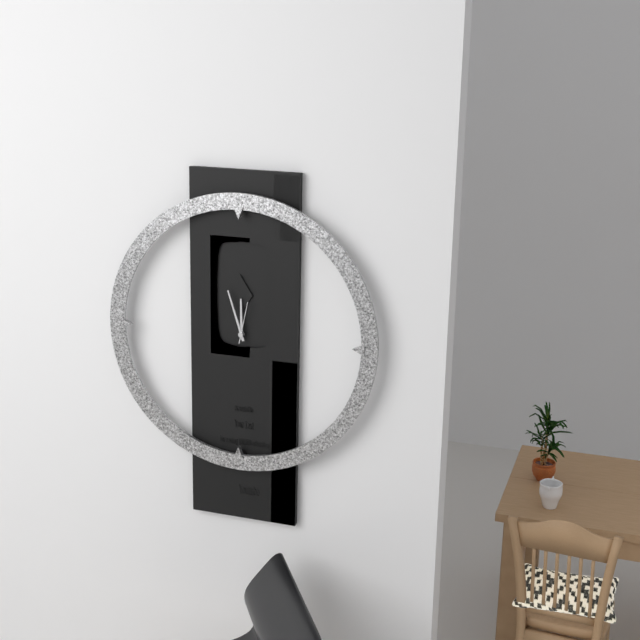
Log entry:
**11:57**
